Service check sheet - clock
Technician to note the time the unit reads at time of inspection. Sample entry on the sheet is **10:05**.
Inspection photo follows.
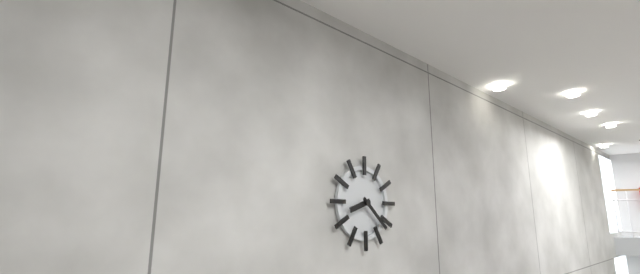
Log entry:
**8:22**
